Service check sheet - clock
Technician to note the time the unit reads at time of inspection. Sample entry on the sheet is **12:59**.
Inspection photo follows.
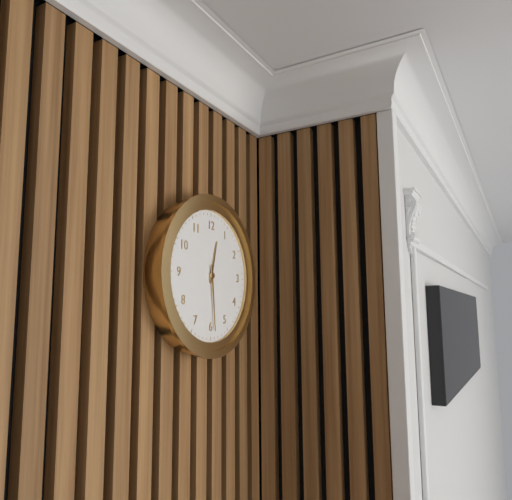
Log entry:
**12:29**
